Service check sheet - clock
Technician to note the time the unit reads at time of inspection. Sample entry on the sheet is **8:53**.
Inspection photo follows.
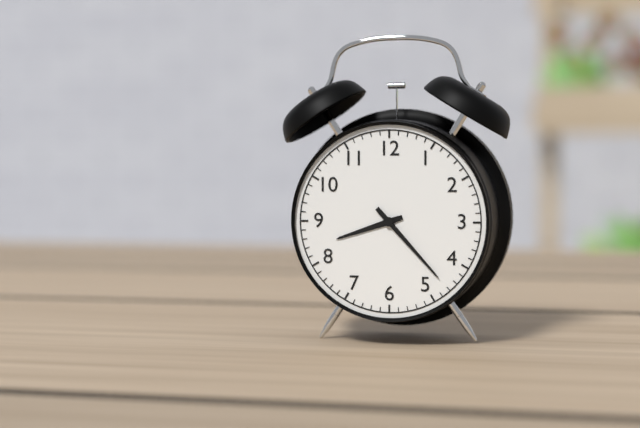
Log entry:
**8:23**
